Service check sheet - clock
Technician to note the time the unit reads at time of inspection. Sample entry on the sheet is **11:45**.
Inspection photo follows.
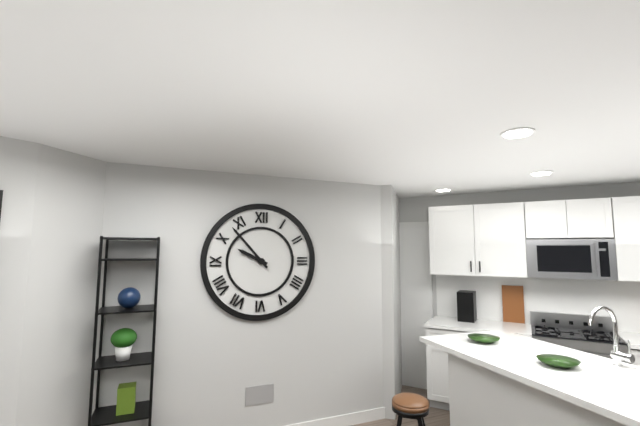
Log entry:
**9:53**
